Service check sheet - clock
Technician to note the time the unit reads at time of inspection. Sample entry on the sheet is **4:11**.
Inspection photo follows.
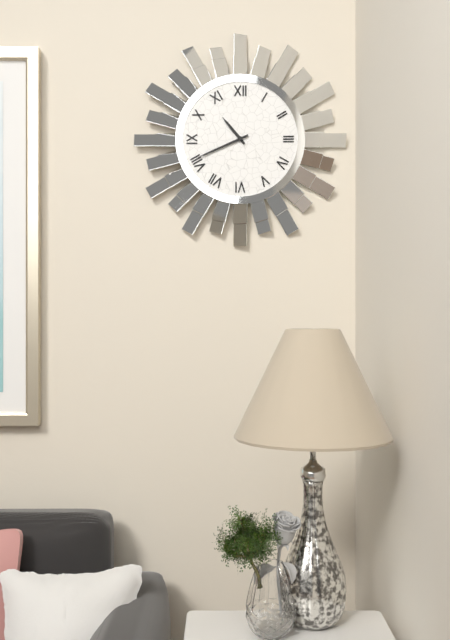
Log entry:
**10:41**
